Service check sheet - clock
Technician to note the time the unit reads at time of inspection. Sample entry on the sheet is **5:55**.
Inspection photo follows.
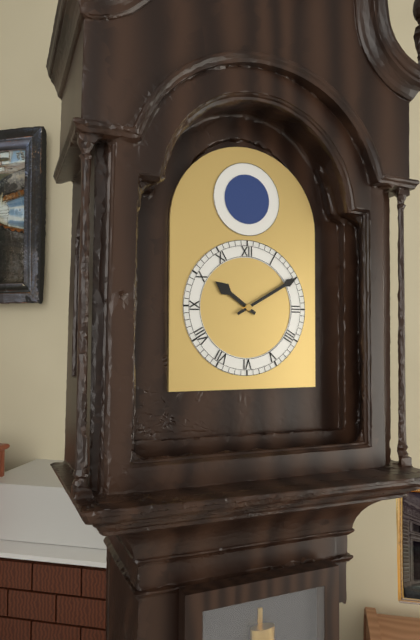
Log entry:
**10:10**
